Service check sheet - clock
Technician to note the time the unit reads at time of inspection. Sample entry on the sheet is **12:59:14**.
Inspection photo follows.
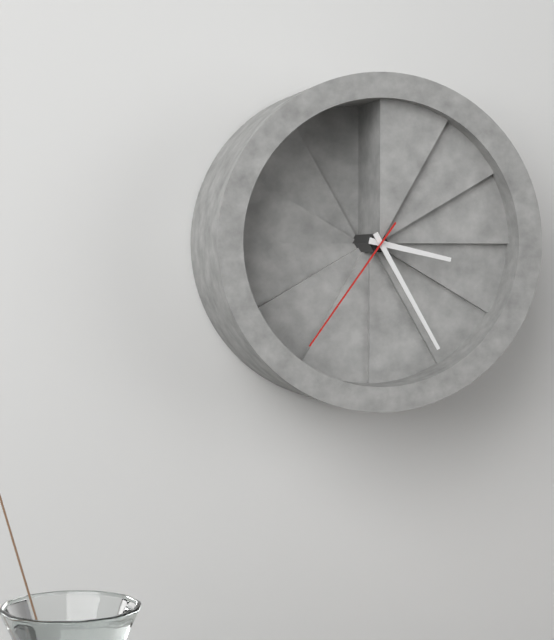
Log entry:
**3:25:36**
